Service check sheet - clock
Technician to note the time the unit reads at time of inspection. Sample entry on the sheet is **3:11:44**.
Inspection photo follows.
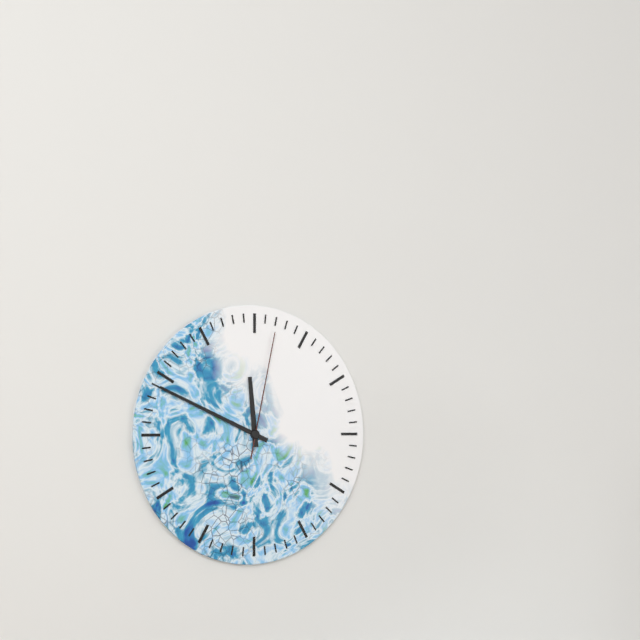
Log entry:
**11:49:02**
